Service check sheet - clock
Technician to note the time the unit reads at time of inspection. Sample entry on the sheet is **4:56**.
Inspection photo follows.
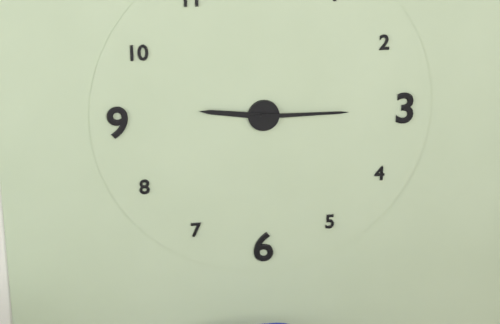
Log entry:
**9:15**
